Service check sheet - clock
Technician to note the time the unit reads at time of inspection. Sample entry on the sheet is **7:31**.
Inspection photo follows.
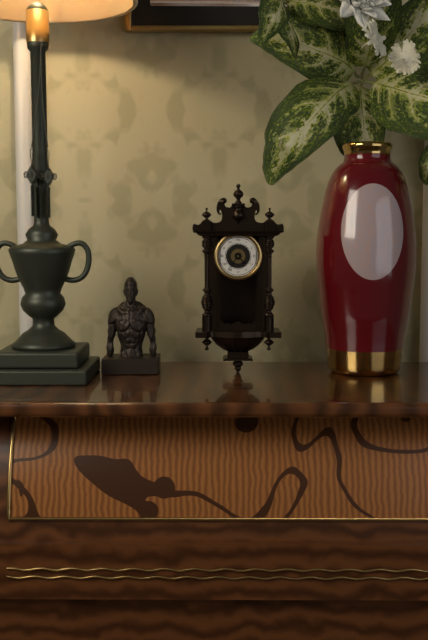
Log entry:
**4:36**
